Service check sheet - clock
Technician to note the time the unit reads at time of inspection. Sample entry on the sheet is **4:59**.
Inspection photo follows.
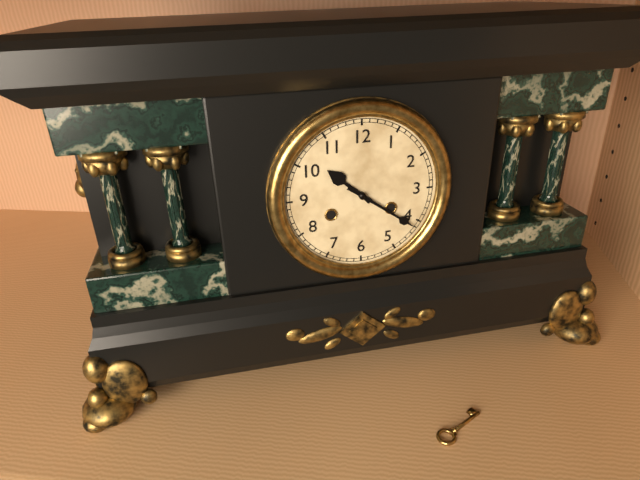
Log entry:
**10:21**
